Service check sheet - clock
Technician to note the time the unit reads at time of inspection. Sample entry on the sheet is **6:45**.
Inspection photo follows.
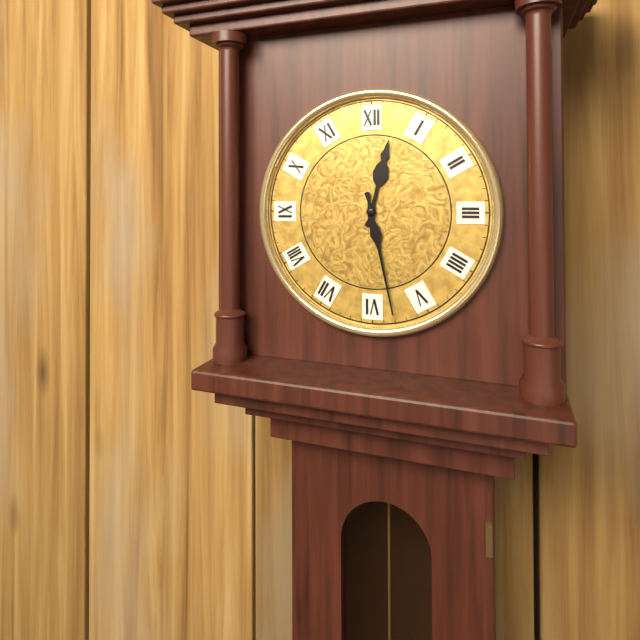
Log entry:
**12:28**
